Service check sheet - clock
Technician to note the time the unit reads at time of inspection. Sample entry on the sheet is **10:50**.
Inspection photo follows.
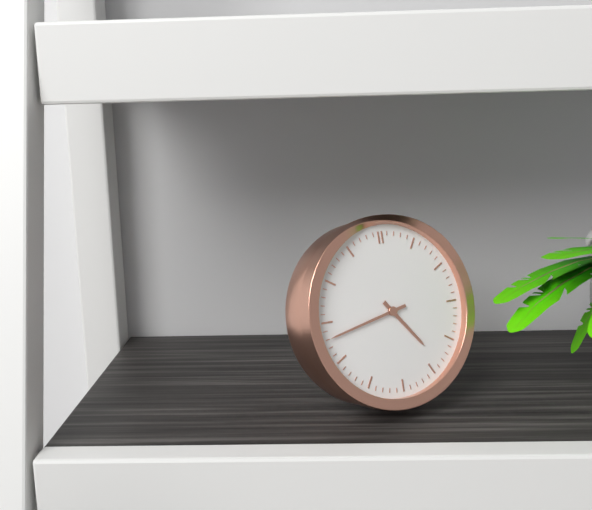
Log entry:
**4:43**
